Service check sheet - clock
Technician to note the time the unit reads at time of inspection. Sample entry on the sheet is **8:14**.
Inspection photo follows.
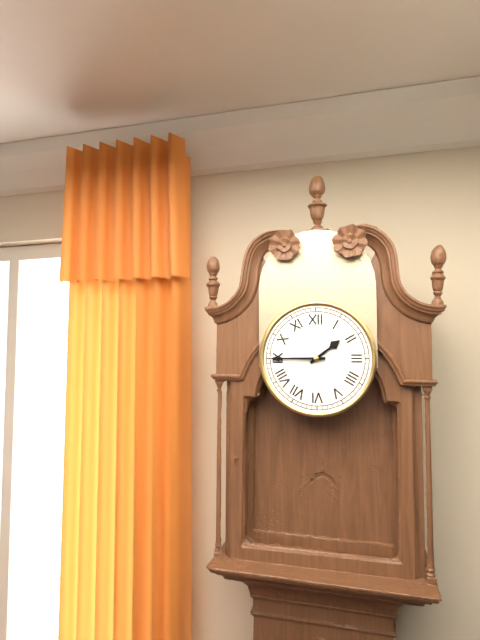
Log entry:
**1:45**
